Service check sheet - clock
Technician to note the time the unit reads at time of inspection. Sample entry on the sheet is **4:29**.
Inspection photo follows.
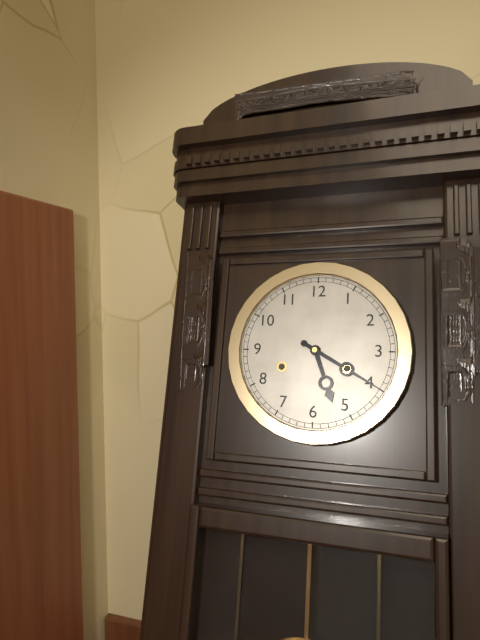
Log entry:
**5:20**
